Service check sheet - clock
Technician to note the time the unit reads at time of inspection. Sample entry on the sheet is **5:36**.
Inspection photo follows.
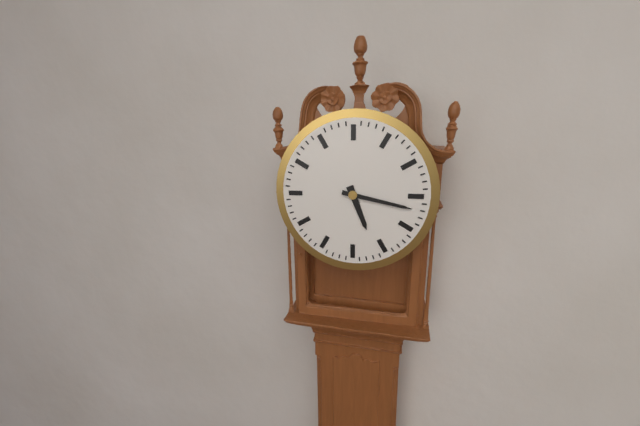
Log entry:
**5:17**
